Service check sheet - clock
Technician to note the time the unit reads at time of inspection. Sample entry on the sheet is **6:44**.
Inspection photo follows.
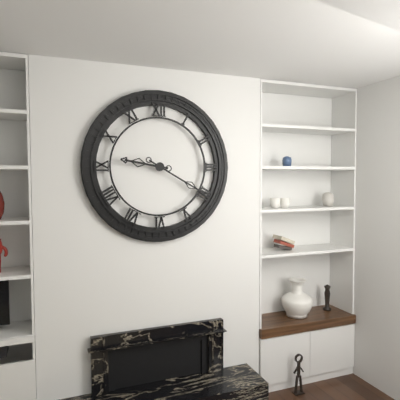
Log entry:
**9:20**
